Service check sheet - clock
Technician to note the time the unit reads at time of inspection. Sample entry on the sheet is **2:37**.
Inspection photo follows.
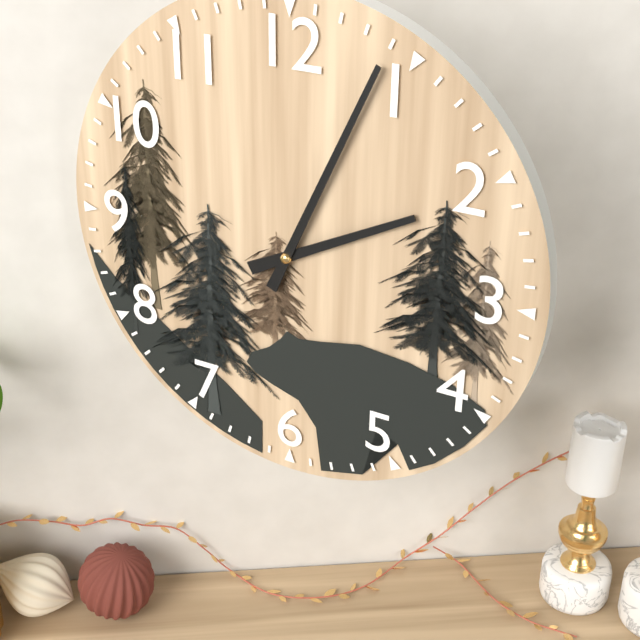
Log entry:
**2:04**
